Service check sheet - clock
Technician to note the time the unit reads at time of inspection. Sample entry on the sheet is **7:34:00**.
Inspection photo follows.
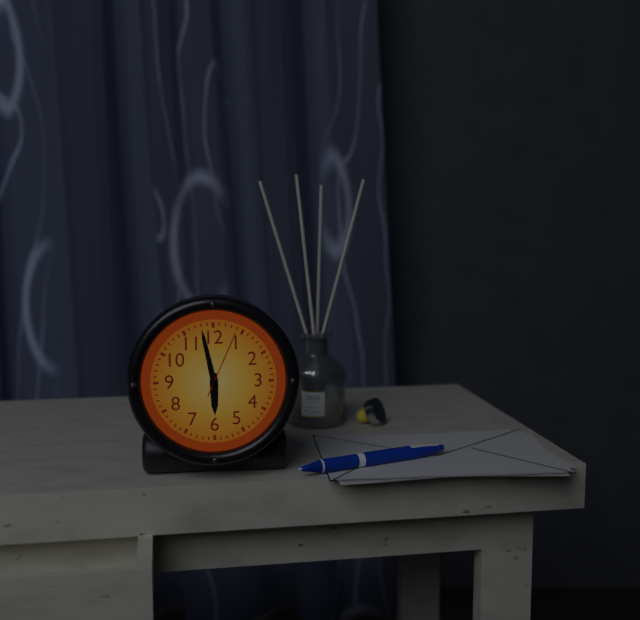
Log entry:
**5:58:04**
